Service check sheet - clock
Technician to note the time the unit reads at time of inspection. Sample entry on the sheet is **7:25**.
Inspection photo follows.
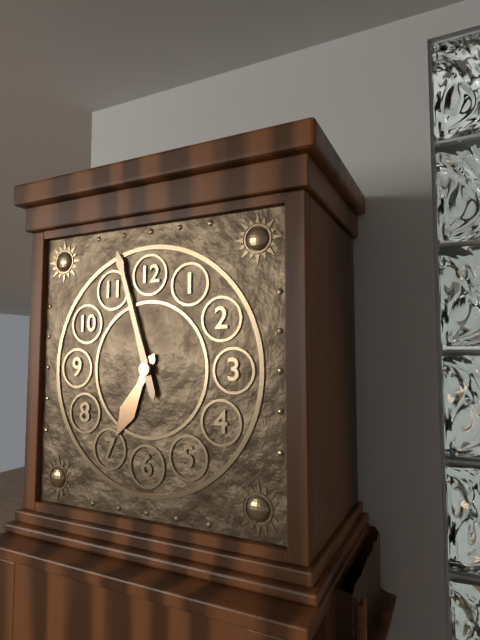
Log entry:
**6:57**
